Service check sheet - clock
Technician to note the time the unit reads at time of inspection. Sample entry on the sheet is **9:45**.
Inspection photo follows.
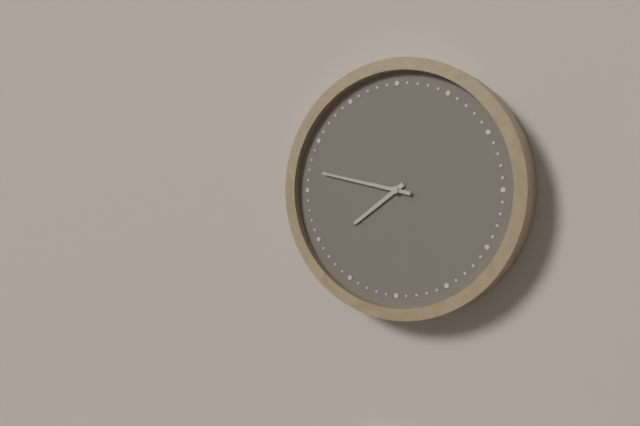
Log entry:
**7:47**
